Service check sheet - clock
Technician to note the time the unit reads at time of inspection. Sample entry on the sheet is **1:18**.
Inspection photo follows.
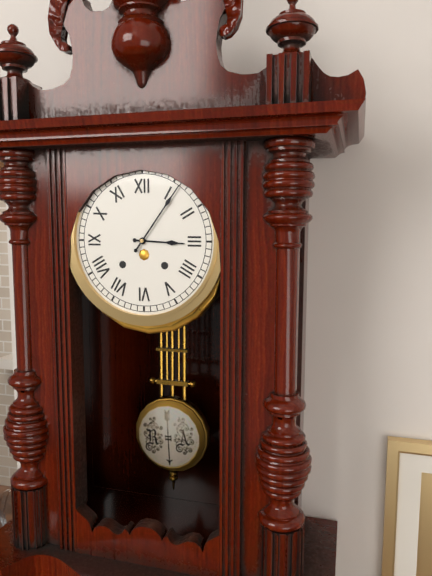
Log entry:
**3:06**
